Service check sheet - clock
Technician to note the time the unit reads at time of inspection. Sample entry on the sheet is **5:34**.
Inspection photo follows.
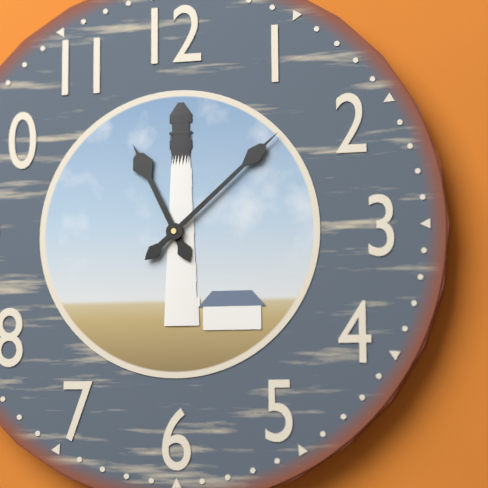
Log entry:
**11:08**
